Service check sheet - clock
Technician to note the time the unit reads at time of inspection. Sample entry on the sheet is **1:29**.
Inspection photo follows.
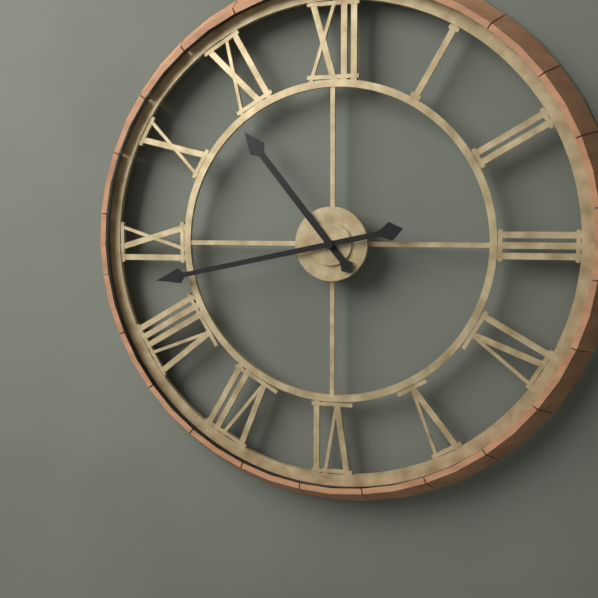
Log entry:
**10:43**
